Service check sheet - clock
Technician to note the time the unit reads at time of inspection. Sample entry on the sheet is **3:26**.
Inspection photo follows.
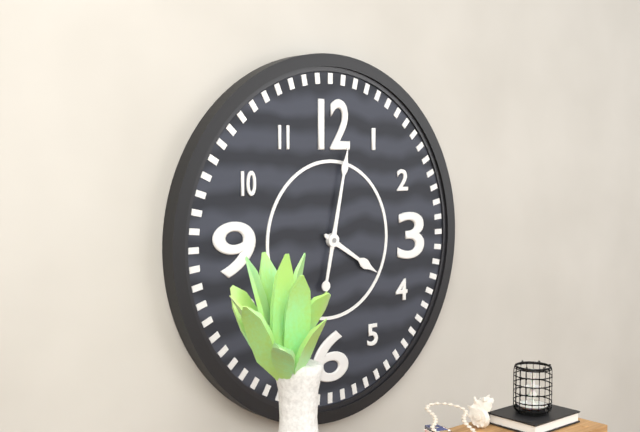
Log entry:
**4:02**
